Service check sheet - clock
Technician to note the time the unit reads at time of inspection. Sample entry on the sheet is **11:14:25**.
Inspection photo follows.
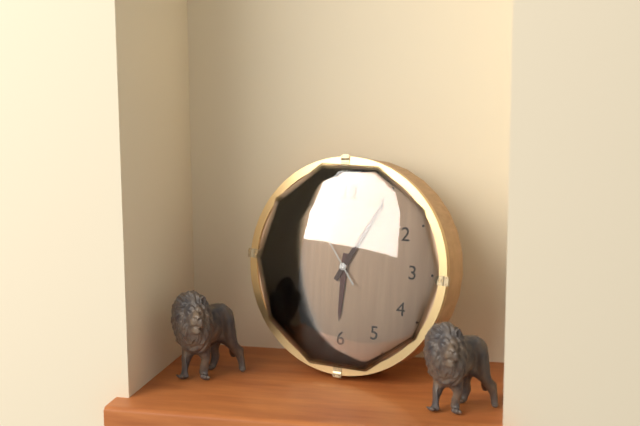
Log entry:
**6:05:54**
